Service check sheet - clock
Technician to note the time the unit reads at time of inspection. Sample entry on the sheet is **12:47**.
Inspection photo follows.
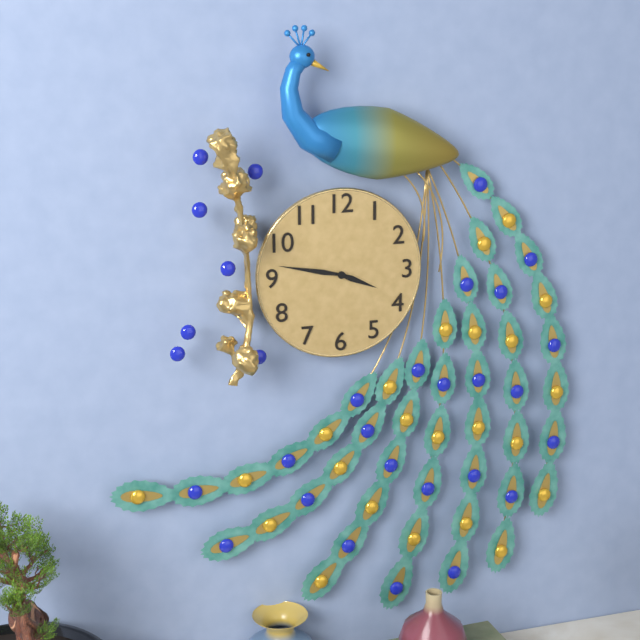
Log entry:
**3:47**
